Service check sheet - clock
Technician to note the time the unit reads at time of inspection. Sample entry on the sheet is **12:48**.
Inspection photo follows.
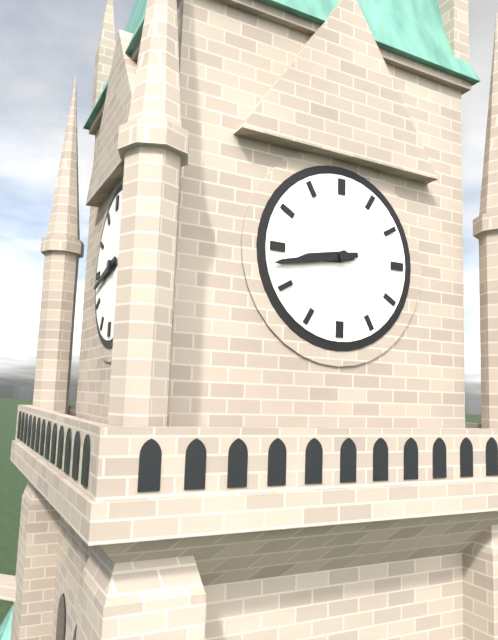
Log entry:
**8:43**
